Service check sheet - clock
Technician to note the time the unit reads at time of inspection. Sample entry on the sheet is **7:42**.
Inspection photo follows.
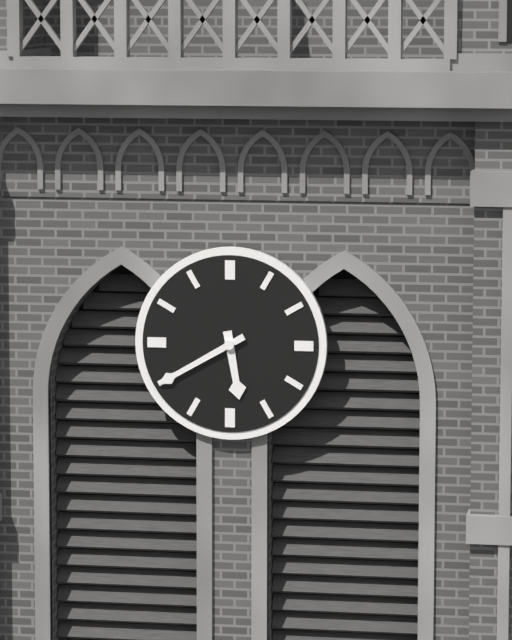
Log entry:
**5:40**
